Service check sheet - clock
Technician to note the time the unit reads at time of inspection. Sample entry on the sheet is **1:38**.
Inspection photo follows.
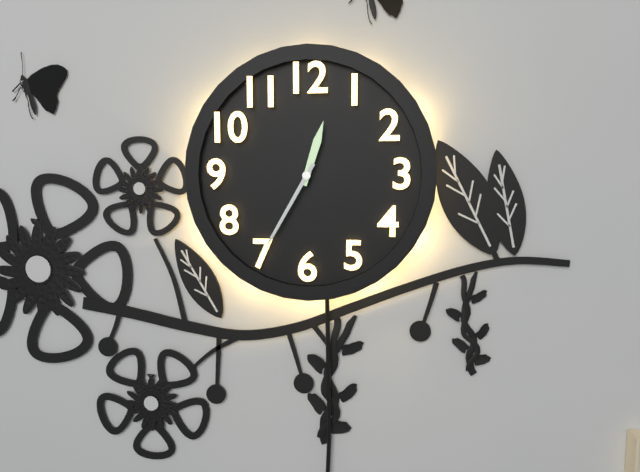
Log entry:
**12:35**
